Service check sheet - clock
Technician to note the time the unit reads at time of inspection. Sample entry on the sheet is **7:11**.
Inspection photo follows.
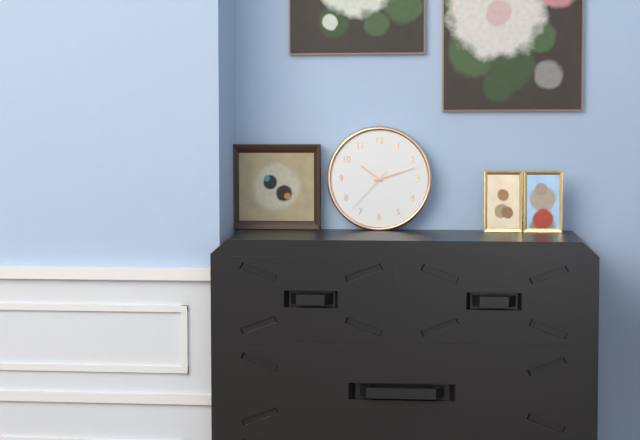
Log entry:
**10:12**
